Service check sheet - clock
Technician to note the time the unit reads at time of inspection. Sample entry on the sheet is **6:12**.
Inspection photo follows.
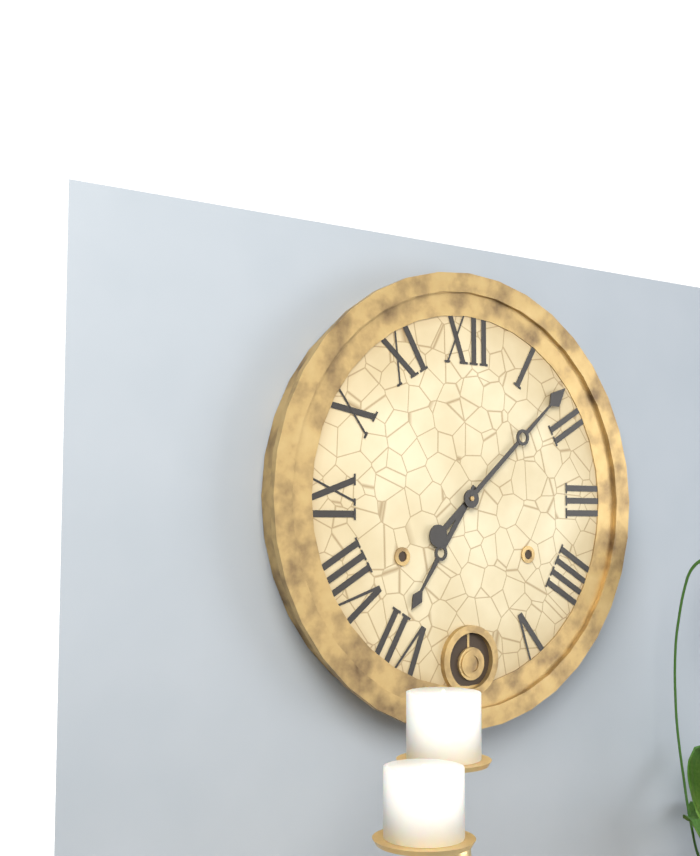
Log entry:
**7:08**
